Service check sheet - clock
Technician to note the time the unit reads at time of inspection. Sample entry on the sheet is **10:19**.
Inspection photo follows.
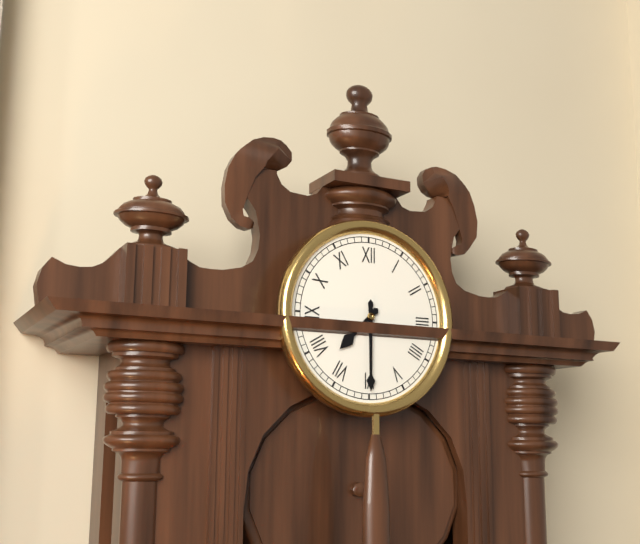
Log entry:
**7:30**
